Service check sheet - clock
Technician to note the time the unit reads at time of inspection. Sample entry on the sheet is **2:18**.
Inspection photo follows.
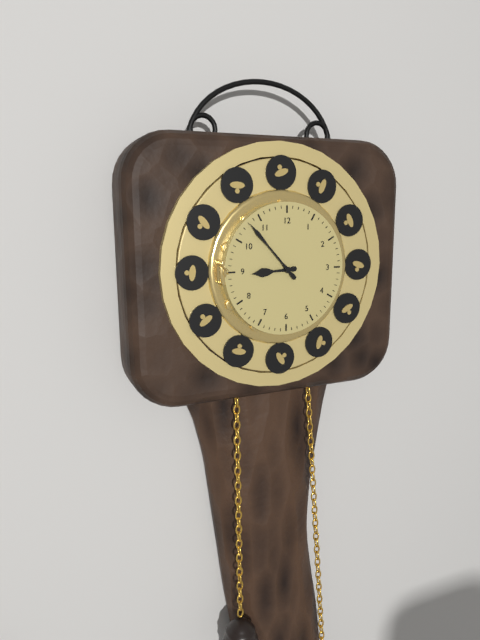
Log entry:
**8:53**
